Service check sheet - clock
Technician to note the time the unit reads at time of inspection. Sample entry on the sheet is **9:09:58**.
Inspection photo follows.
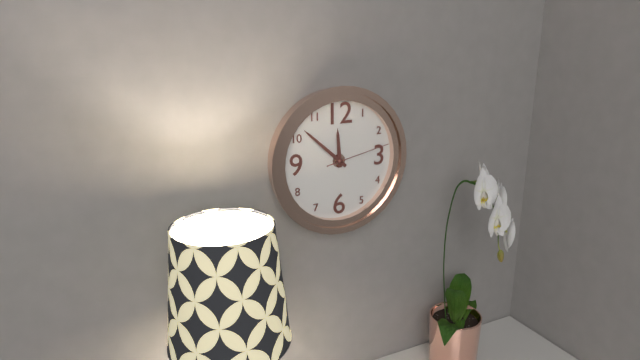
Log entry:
**11:52:13**
